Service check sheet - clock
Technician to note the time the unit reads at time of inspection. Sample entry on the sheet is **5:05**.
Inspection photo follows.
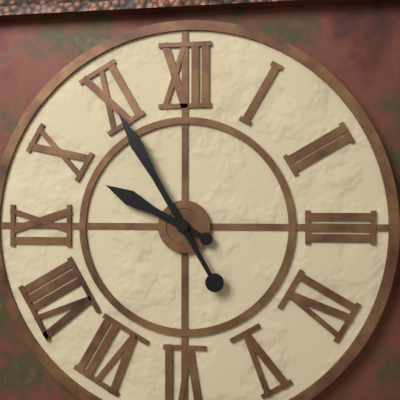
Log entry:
**9:55**
